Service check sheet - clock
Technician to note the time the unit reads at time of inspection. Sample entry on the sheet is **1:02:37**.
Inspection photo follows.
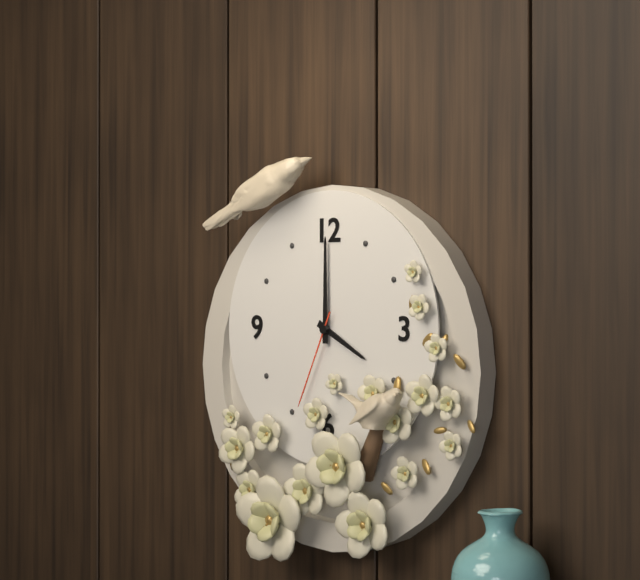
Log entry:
**4:00:34**
